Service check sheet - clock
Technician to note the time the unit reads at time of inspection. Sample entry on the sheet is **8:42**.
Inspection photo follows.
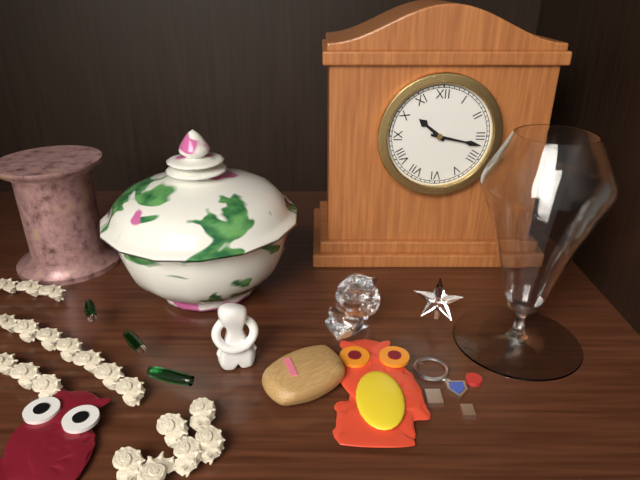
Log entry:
**10:17**
